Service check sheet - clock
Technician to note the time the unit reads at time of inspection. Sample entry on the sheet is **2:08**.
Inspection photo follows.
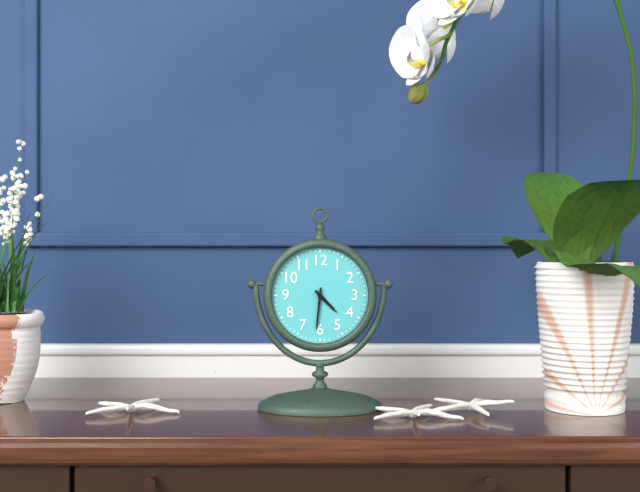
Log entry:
**4:31**
